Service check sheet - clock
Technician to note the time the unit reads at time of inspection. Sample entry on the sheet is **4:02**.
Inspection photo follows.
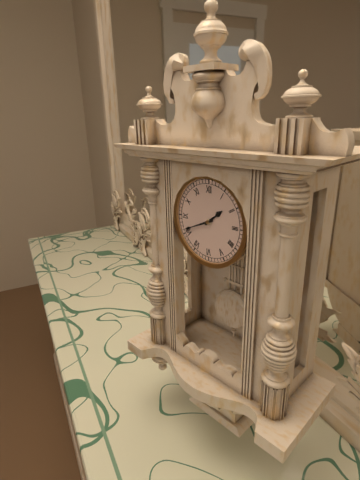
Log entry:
**1:41**
